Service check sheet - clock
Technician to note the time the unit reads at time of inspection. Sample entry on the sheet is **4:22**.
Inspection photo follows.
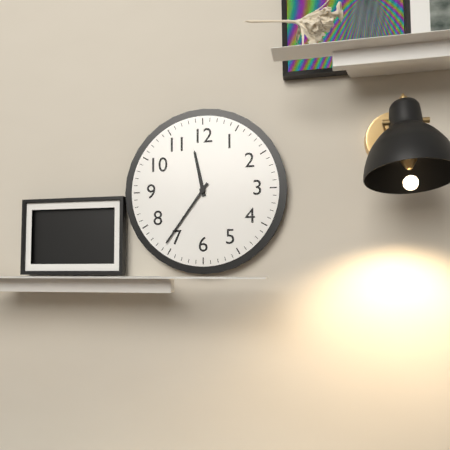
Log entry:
**11:36**
